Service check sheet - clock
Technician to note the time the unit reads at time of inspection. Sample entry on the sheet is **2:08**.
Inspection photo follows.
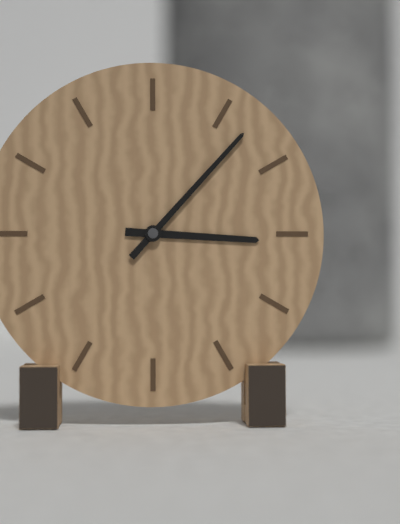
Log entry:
**3:07**
